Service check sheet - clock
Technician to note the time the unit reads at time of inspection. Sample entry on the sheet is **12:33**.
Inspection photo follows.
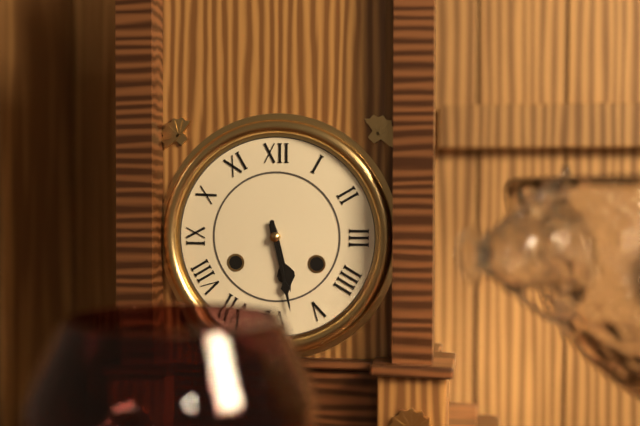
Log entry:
**5:28**
